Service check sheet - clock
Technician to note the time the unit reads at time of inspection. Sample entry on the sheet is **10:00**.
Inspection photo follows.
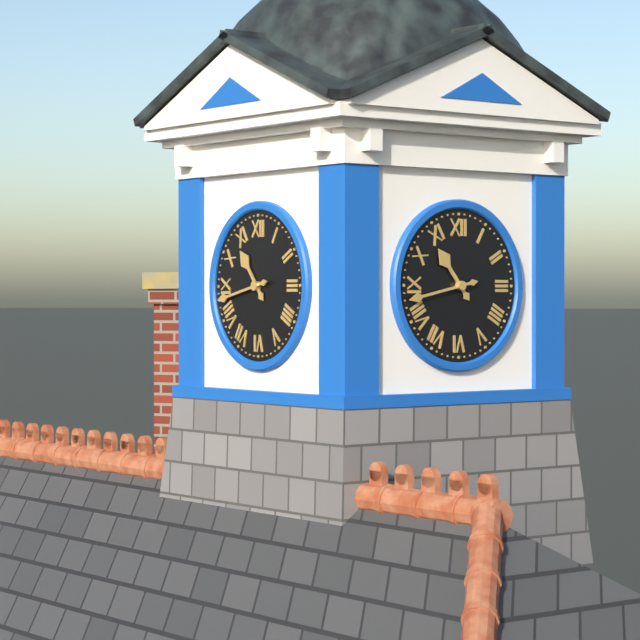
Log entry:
**10:43**
